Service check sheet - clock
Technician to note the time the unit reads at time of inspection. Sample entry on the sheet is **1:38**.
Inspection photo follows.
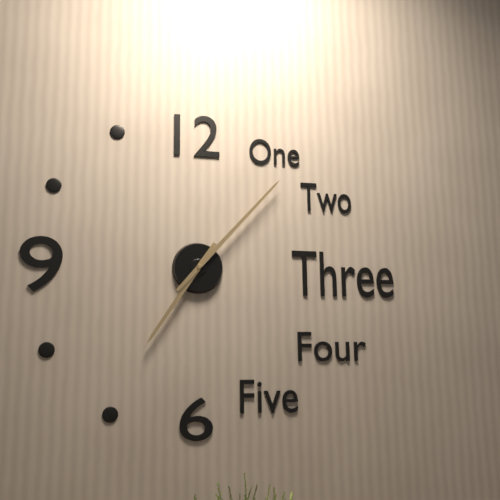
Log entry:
**7:07**
